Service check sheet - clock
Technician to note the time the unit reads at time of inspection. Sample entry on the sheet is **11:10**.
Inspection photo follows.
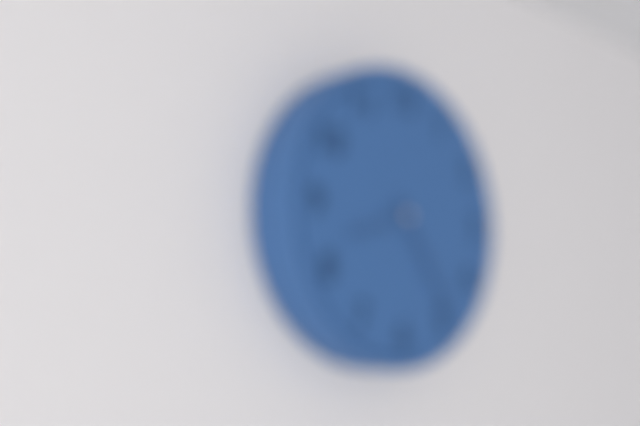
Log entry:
**8:24**
